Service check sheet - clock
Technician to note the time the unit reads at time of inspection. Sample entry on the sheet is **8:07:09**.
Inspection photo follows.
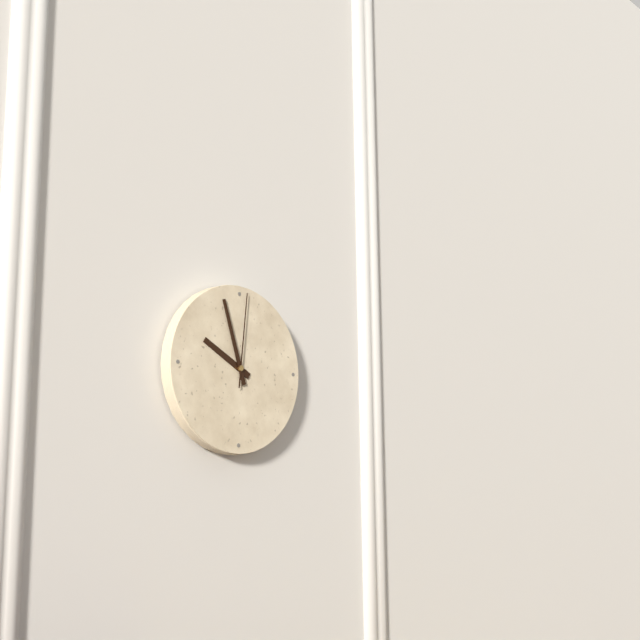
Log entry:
**9:57:01**
